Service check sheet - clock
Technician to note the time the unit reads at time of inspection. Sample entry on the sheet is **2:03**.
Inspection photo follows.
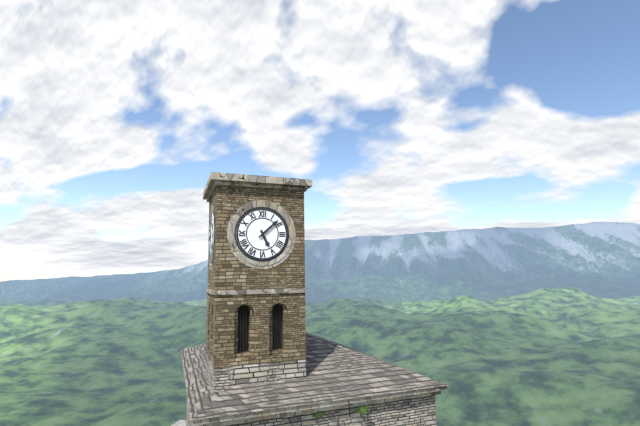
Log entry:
**5:08**
